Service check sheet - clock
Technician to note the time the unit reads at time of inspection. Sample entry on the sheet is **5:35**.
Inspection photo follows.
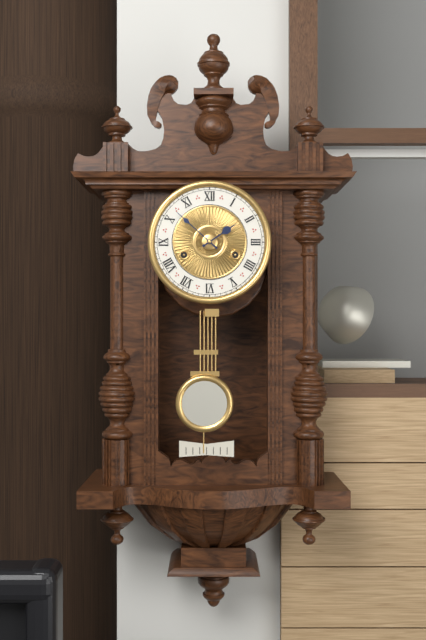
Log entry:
**1:52**
